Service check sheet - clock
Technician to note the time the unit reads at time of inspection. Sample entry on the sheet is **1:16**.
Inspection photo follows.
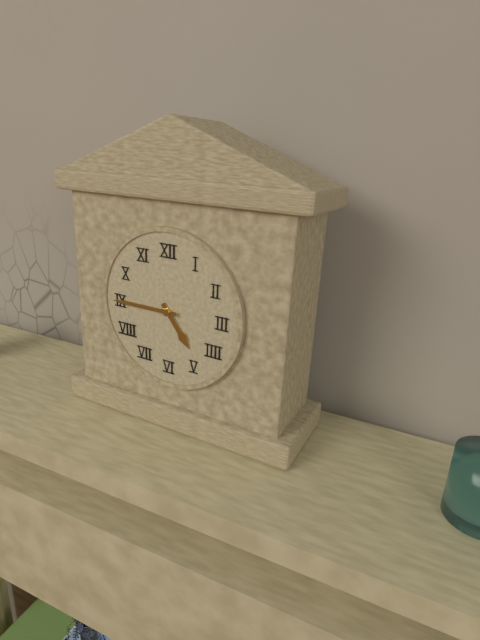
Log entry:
**4:45**
